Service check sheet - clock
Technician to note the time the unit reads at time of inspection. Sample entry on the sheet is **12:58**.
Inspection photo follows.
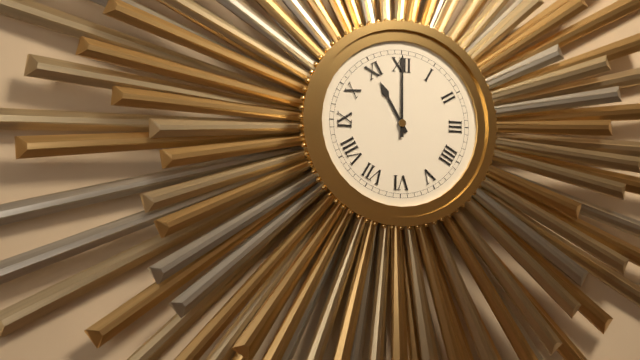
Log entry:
**11:00**
